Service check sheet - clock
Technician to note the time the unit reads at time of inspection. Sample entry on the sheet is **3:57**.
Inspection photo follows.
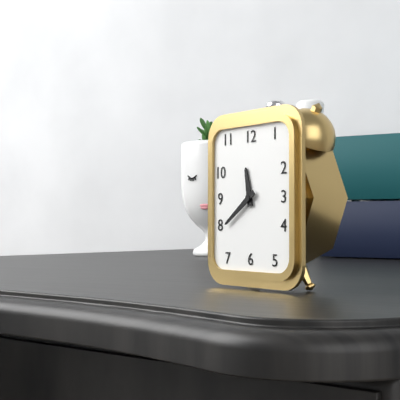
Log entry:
**11:39**
